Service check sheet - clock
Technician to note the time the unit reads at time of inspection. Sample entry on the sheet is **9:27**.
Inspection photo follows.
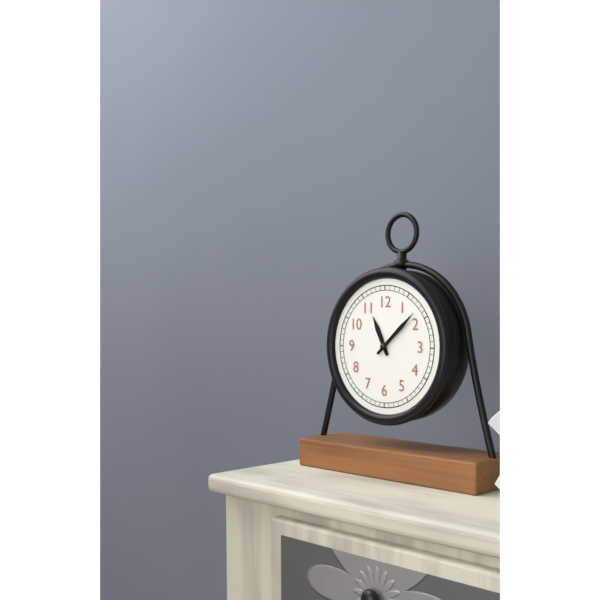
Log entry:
**11:08**
